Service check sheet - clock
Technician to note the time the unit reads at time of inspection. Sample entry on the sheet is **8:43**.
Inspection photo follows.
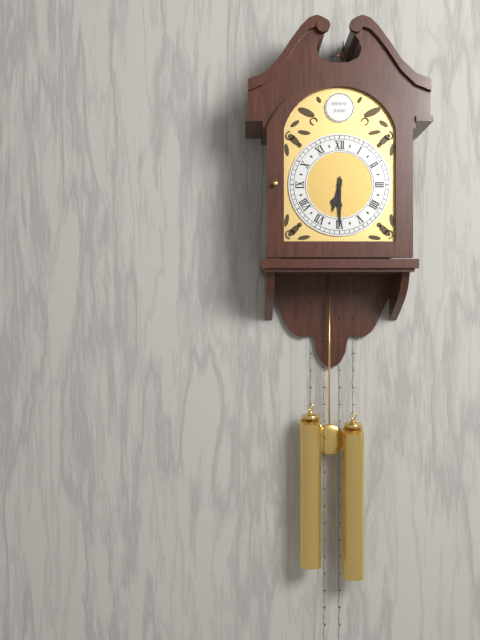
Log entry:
**6:30**
